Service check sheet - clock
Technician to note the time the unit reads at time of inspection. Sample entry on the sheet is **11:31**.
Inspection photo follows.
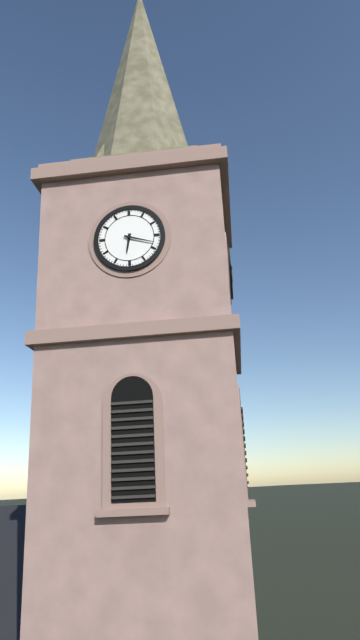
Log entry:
**6:18**
